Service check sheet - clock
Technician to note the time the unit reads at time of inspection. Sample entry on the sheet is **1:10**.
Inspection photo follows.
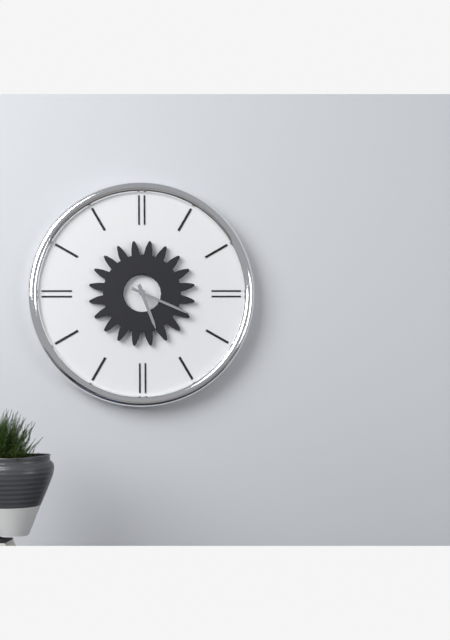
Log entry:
**5:19**
